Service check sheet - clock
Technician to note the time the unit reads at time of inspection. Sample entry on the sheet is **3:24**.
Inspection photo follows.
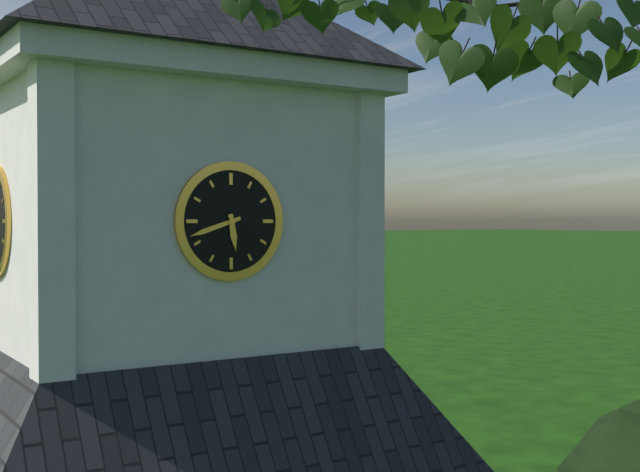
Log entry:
**5:42**
